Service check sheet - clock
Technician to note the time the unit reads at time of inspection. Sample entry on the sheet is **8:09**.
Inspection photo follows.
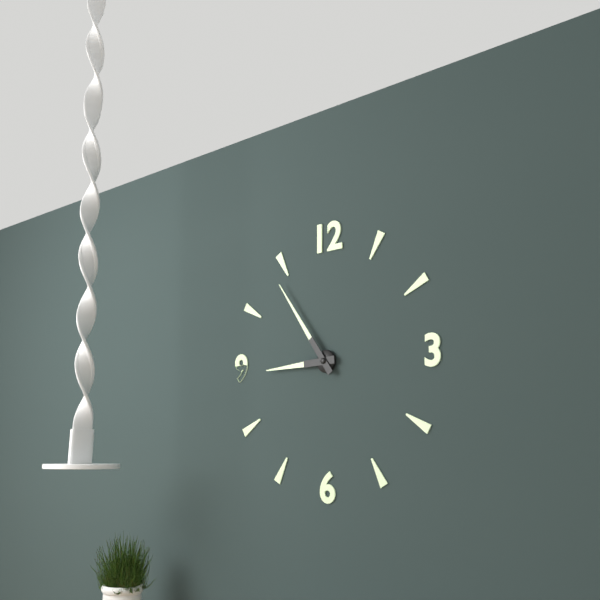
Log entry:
**8:54**
